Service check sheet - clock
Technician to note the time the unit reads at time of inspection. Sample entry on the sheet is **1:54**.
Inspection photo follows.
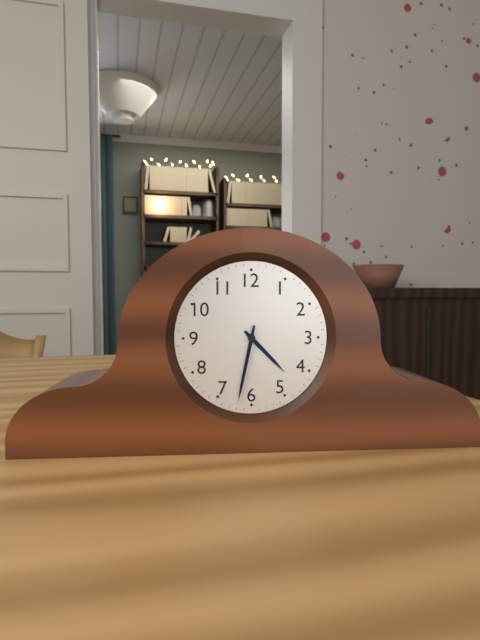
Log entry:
**4:32**
